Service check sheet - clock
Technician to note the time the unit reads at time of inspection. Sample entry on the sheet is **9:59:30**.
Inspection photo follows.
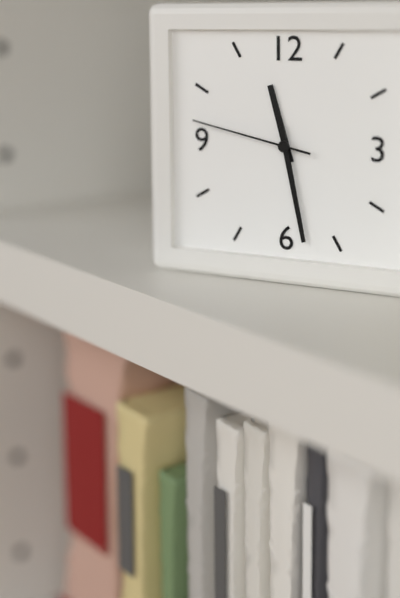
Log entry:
**11:28:47**
